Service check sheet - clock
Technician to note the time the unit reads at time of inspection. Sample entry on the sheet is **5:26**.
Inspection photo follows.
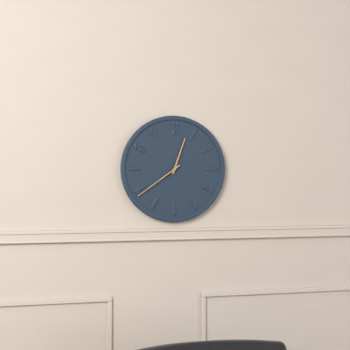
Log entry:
**12:39**
